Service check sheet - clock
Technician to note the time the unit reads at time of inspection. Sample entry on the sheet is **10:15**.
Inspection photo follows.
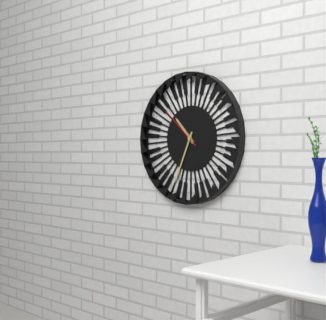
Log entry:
**10:34**
